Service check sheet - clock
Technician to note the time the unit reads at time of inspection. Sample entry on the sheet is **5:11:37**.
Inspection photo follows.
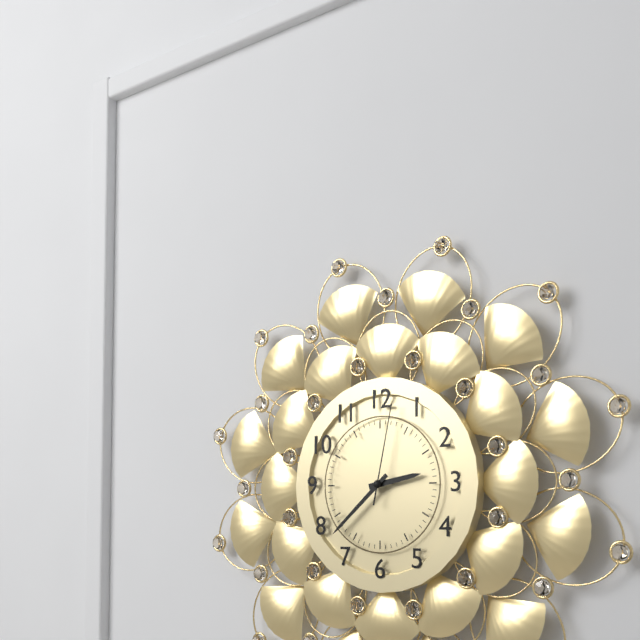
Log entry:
**2:38:02**
